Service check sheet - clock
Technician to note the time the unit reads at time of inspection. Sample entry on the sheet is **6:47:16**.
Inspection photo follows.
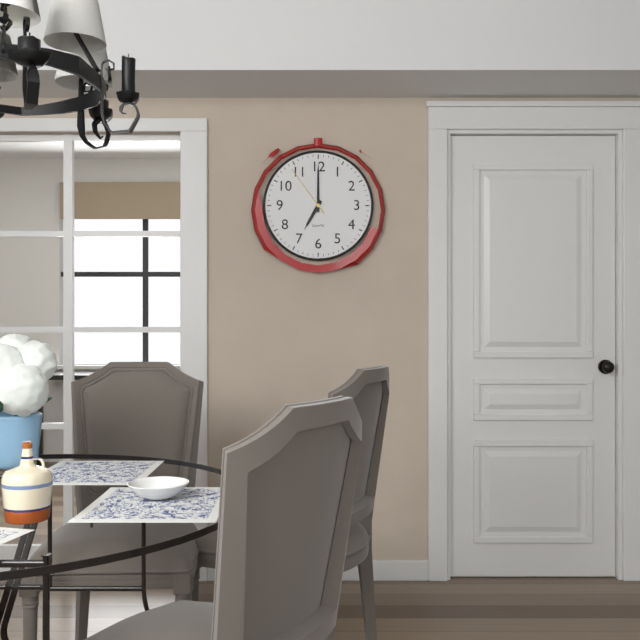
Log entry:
**7:00:54**
